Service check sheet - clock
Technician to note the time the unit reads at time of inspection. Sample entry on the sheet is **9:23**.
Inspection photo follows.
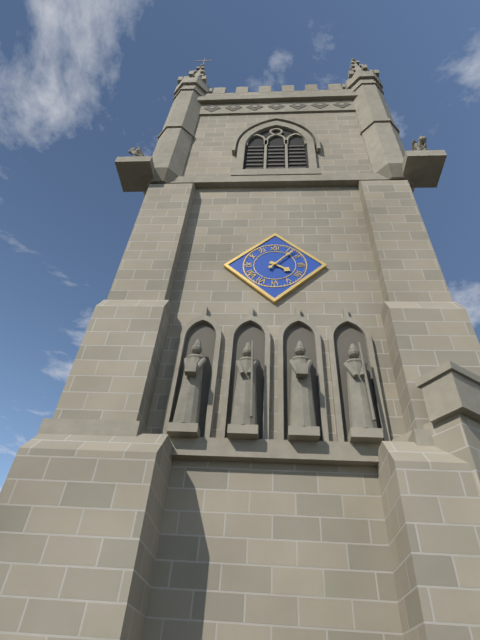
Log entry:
**4:07**
